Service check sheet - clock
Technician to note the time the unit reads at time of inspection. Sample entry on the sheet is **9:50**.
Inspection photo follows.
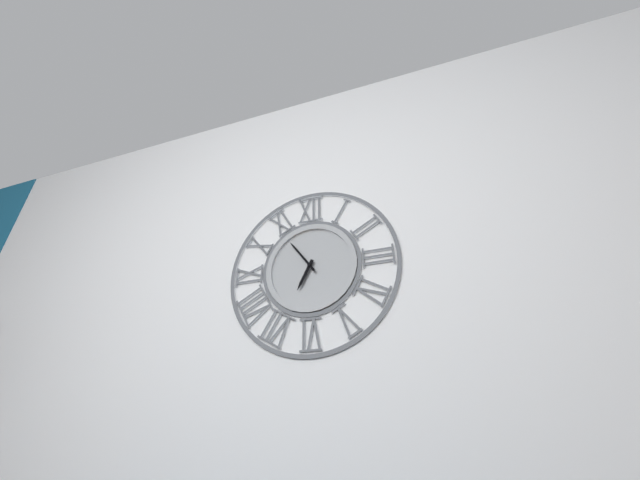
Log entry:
**6:54**
